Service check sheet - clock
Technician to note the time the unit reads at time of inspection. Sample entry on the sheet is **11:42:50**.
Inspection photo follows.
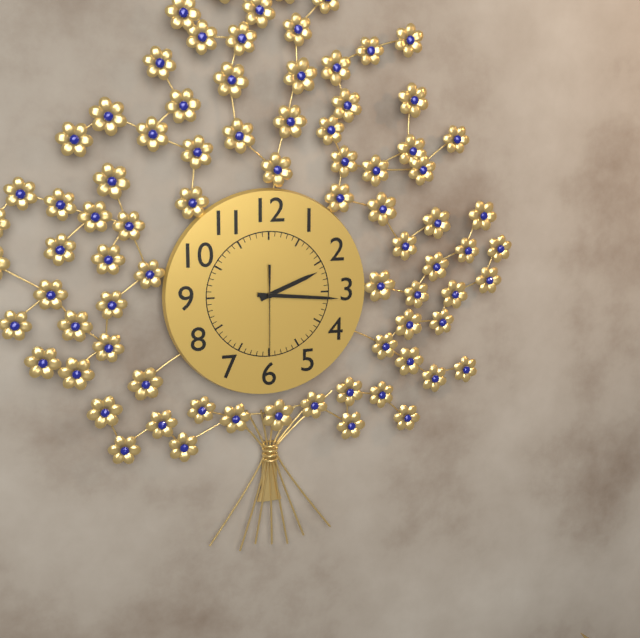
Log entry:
**2:16:30**
